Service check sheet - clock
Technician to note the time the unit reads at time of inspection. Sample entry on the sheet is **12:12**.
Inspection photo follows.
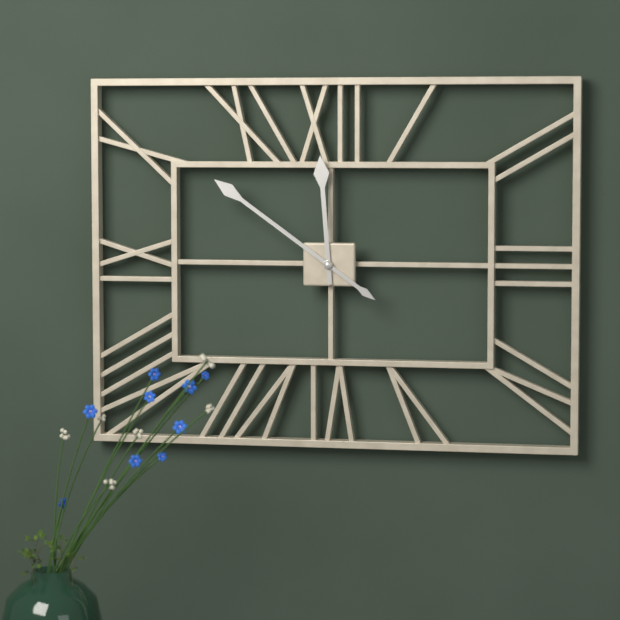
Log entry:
**11:51**
